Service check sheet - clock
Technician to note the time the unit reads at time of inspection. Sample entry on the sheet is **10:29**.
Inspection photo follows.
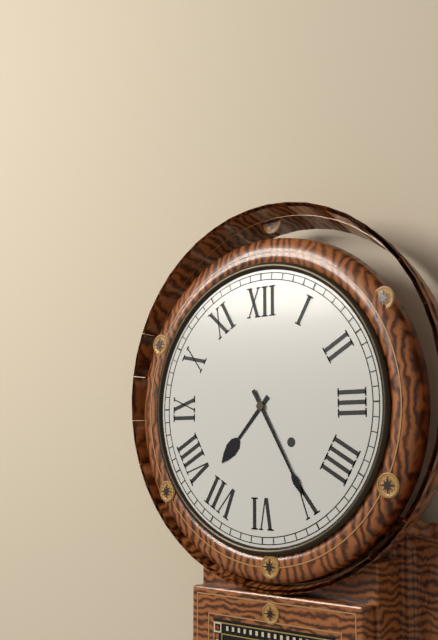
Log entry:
**7:25**
